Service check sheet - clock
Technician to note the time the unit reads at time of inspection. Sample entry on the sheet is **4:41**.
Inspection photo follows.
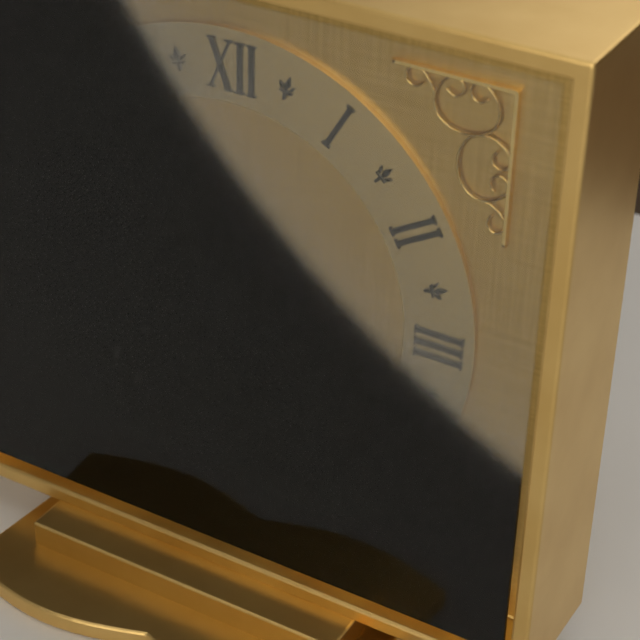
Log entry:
**10:35**
